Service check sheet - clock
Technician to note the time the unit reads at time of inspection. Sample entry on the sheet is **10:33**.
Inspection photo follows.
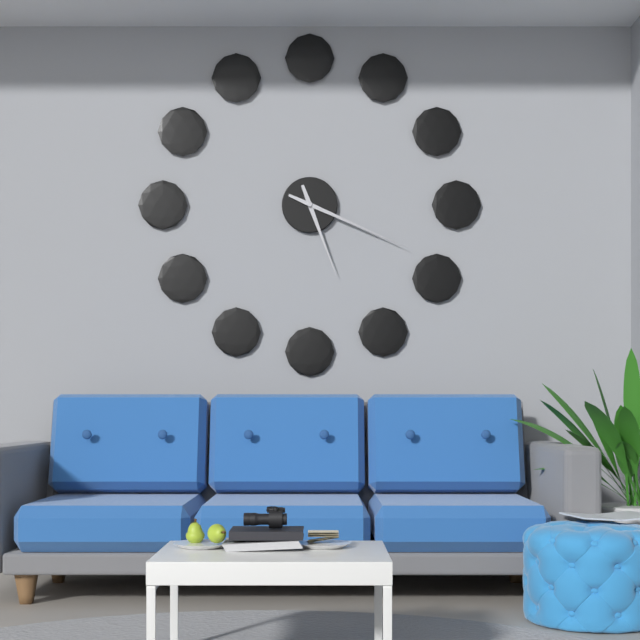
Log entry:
**5:19**
